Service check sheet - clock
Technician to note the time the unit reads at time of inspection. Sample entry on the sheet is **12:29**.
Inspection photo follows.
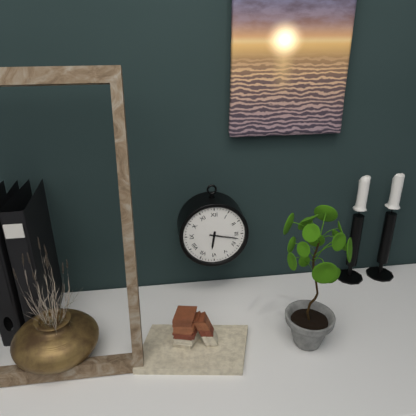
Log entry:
**6:17**
